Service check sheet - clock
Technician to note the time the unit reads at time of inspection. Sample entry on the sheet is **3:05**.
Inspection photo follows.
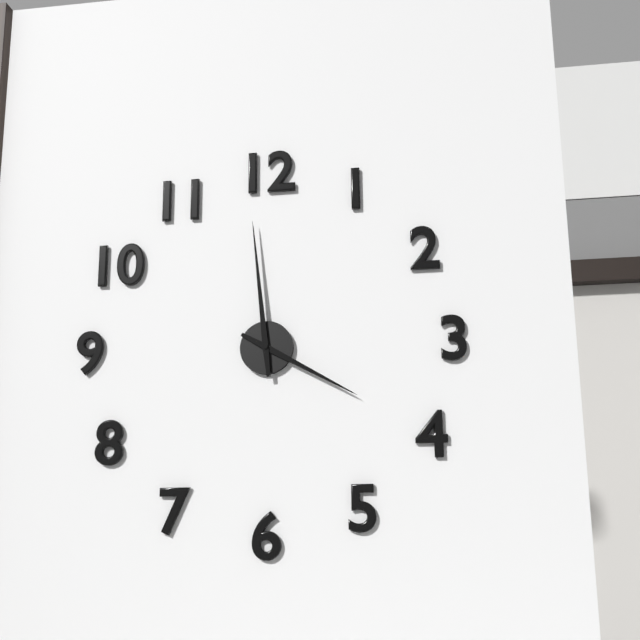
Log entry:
**3:59**
